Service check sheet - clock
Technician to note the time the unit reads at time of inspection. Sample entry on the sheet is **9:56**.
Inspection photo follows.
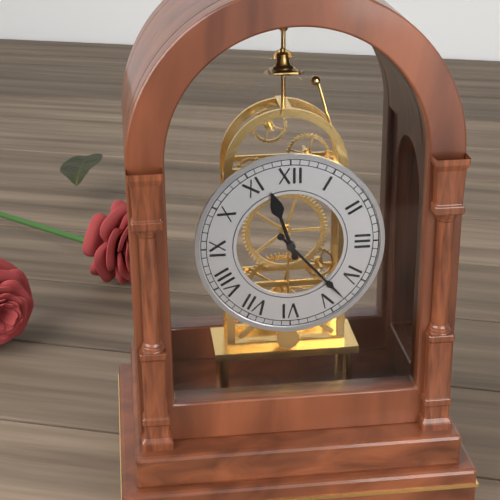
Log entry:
**11:23**
